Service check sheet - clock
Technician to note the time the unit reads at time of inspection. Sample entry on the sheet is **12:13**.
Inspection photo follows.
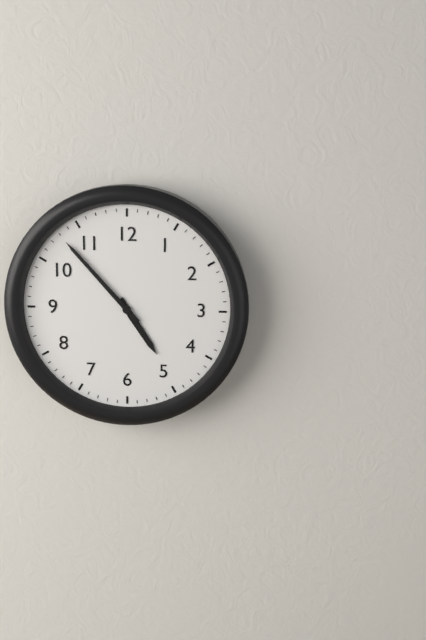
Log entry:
**4:53**
